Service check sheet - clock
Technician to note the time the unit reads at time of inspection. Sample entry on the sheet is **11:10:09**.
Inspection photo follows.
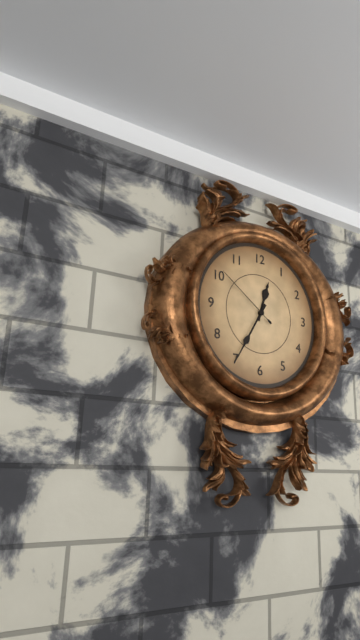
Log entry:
**12:35:51**
